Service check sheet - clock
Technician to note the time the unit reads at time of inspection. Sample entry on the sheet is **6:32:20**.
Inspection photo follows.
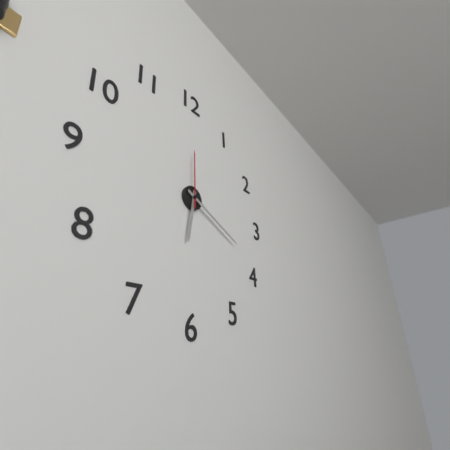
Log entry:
**6:19:00**
